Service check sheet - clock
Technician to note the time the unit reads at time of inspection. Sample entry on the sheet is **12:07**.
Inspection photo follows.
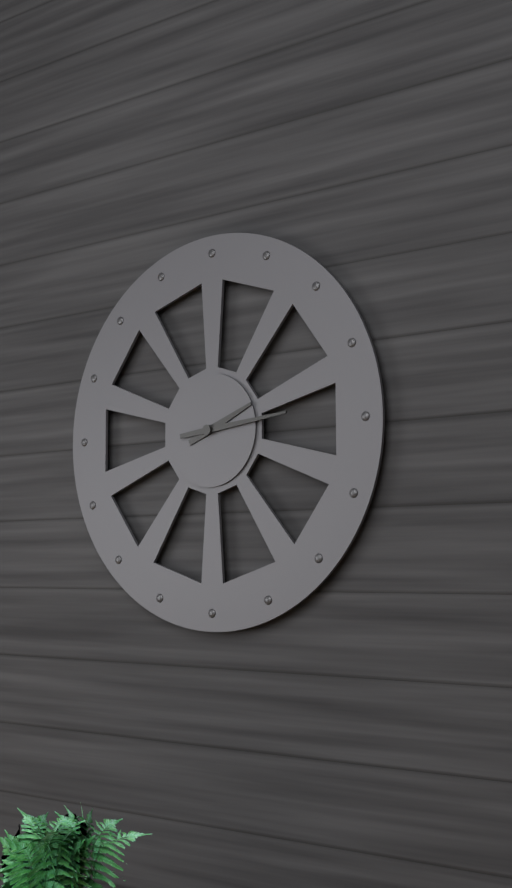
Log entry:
**2:14**
